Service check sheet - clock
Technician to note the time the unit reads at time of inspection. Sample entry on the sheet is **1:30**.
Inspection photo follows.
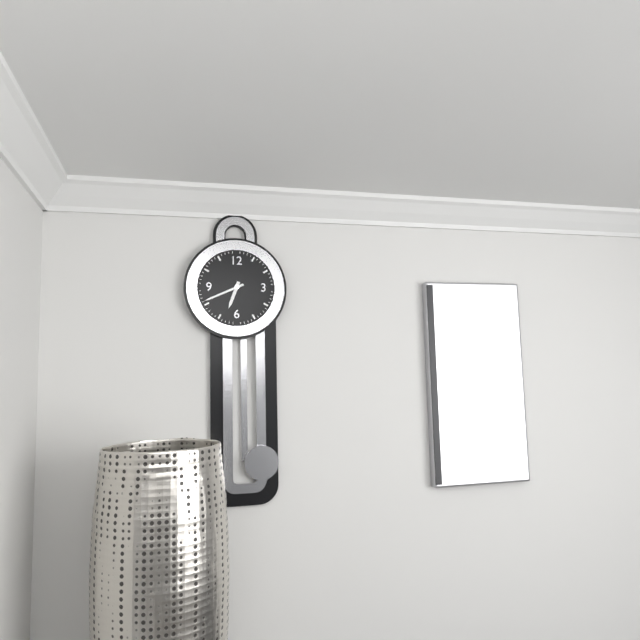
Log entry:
**6:41**
